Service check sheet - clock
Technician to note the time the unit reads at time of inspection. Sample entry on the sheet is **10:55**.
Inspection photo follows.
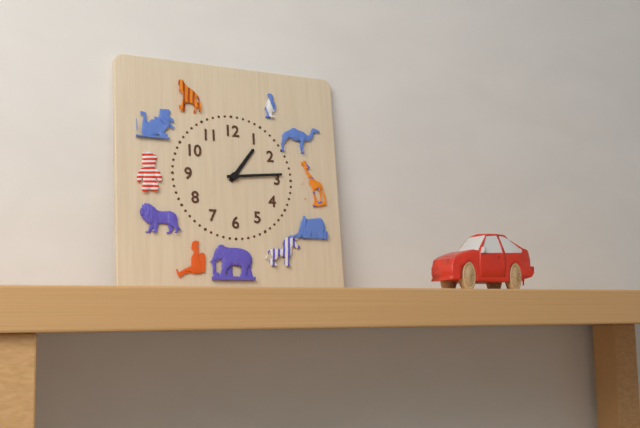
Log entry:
**1:14**
